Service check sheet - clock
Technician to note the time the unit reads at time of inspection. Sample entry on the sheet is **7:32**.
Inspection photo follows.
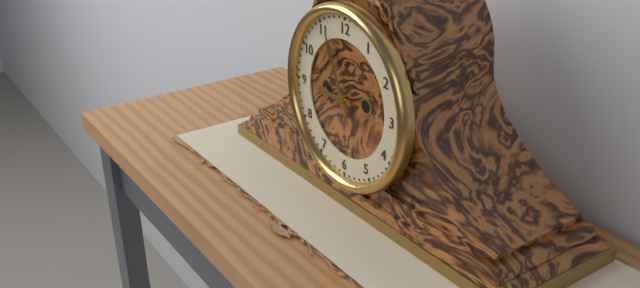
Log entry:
**8:56**
